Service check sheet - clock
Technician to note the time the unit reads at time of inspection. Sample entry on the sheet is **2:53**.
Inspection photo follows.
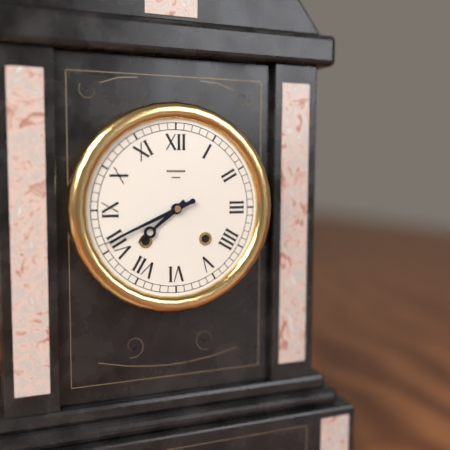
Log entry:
**7:41**
